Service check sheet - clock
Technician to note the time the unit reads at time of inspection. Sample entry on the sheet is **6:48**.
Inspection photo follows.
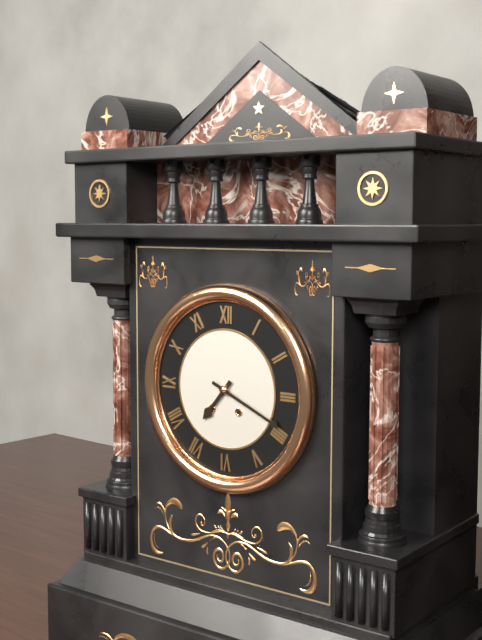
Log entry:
**7:19**
